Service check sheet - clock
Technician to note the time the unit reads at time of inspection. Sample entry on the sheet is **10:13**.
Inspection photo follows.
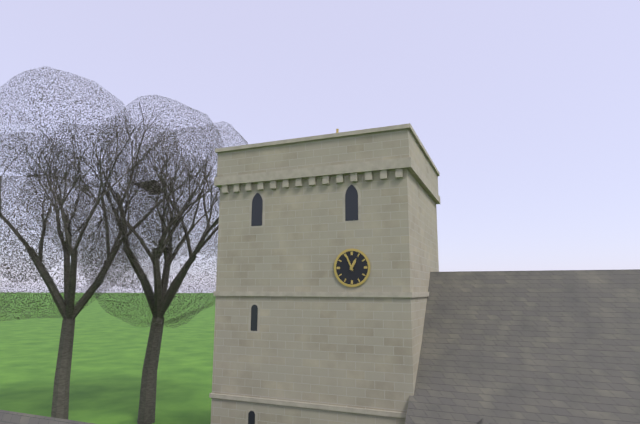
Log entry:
**12:56**
